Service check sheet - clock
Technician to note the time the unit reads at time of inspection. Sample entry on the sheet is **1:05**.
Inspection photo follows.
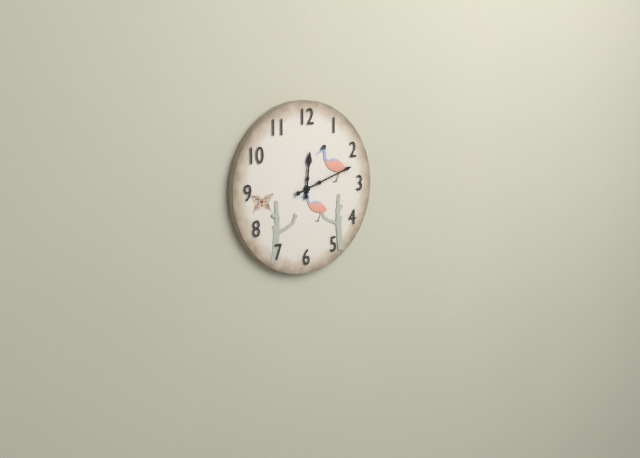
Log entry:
**12:12**
